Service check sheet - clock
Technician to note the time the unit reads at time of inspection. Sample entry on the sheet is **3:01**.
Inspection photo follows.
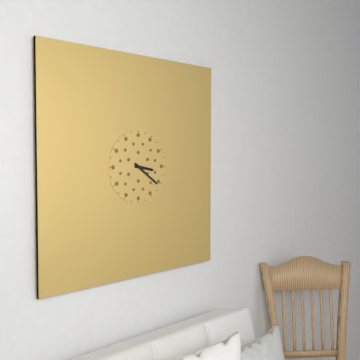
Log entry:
**3:21**
